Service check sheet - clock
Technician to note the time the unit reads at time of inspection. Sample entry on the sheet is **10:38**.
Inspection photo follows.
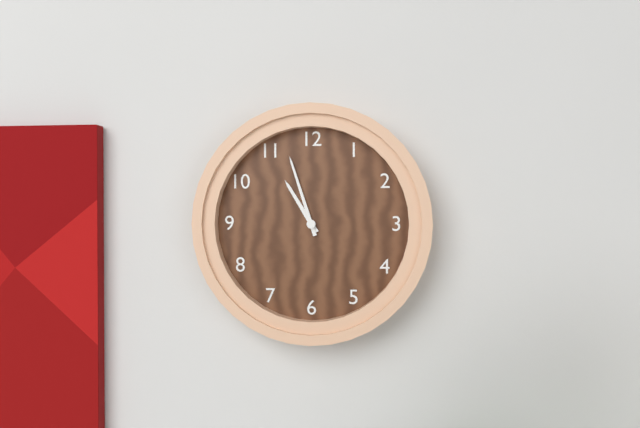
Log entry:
**10:57**
